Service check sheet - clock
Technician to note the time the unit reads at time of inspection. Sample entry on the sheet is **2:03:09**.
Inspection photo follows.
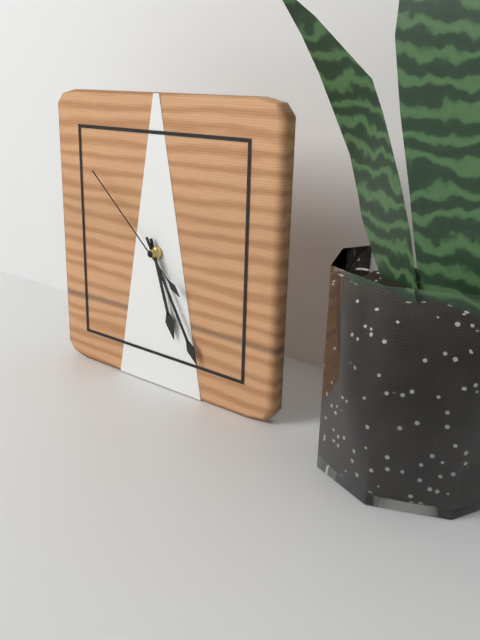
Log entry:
**5:25:52**
